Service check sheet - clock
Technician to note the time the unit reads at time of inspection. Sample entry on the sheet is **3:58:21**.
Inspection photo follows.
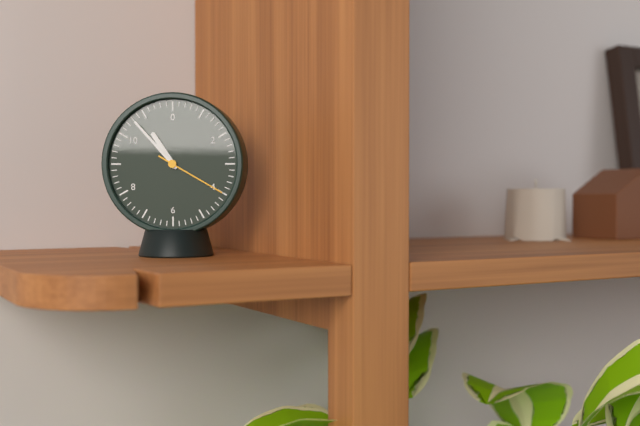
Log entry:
**10:53:20**
